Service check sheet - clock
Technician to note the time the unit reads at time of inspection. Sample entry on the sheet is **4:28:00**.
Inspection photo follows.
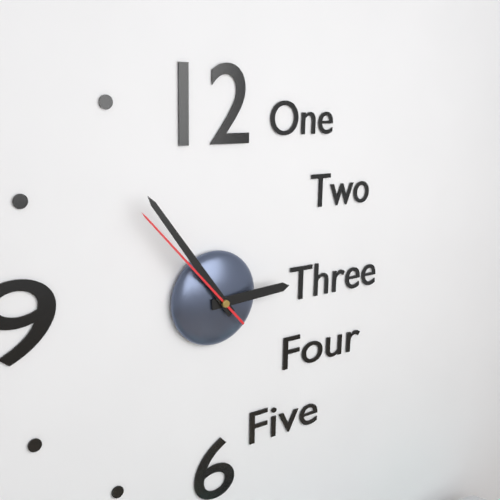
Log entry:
**2:54:53**
